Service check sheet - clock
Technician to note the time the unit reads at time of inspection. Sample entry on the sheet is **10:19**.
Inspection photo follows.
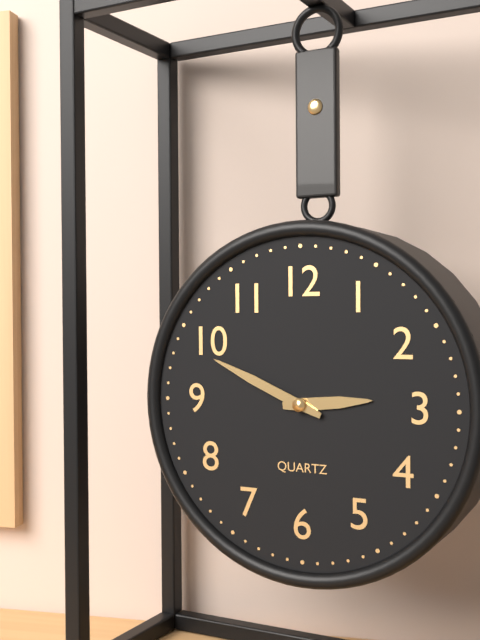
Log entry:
**2:49**
